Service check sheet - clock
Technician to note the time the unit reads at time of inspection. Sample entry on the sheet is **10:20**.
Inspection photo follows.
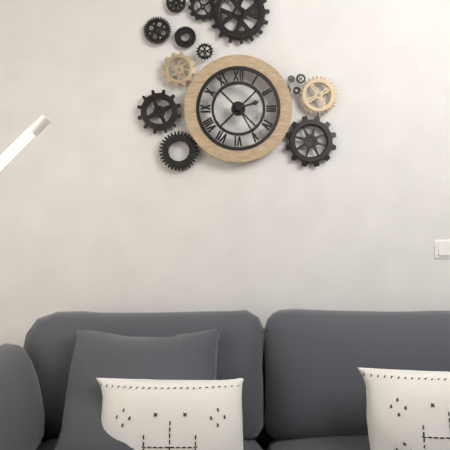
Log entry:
**2:25**
